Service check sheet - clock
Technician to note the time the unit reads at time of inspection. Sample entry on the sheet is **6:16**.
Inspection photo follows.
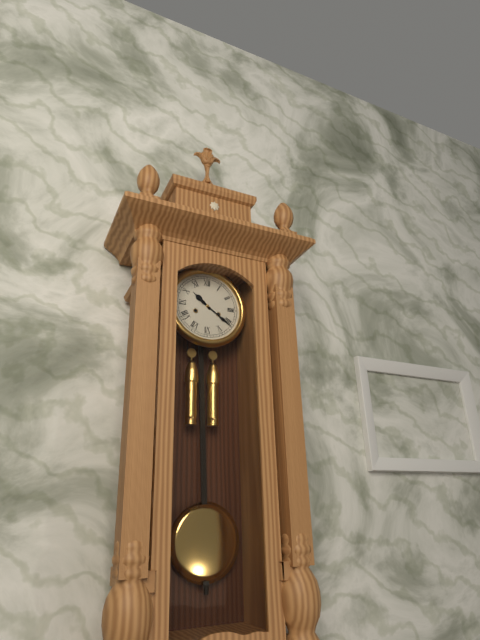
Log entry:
**10:21**
